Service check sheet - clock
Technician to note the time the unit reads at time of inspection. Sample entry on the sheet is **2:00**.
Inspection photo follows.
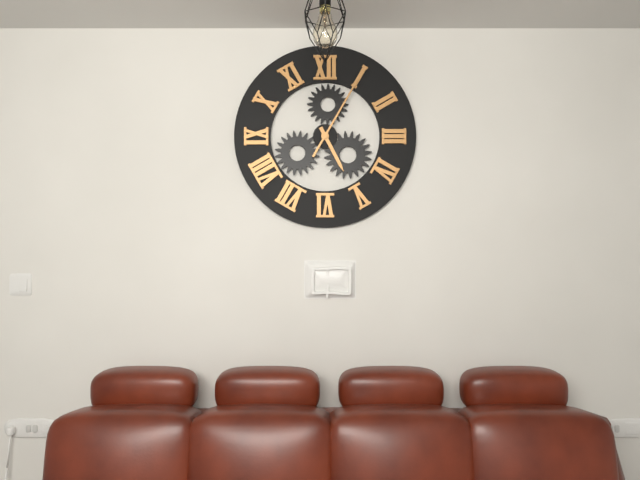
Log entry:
**5:05**
